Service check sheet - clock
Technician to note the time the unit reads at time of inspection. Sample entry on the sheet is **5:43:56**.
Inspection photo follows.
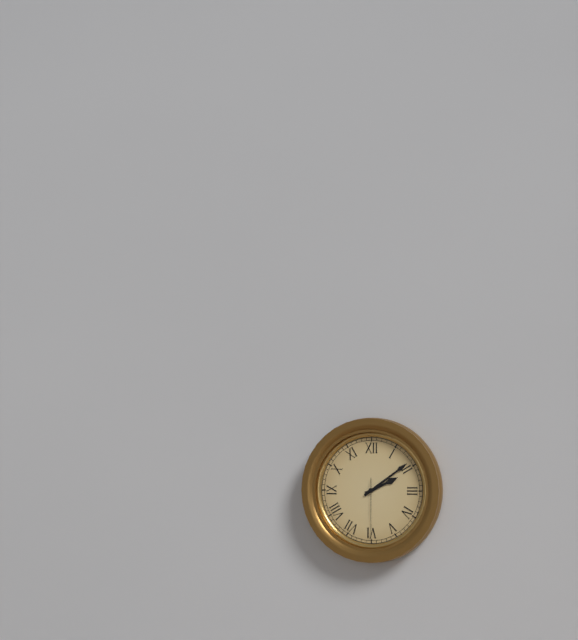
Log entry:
**2:09:30**
